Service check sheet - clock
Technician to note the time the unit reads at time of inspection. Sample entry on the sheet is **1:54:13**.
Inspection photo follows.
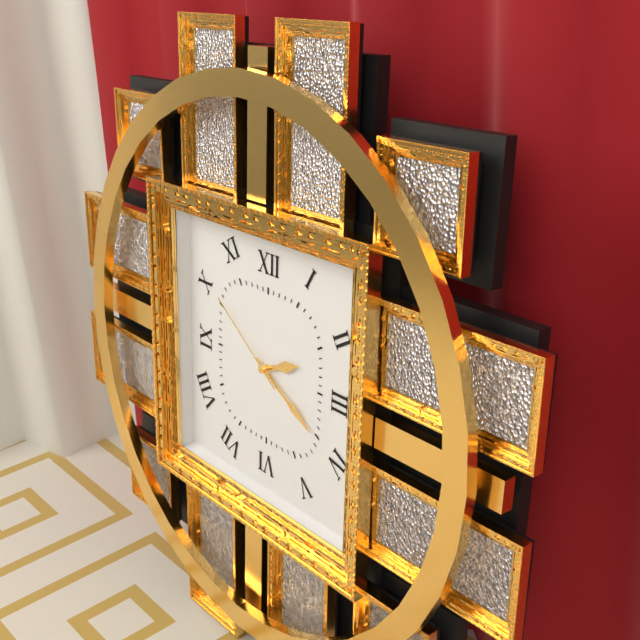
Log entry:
**2:20:51**
